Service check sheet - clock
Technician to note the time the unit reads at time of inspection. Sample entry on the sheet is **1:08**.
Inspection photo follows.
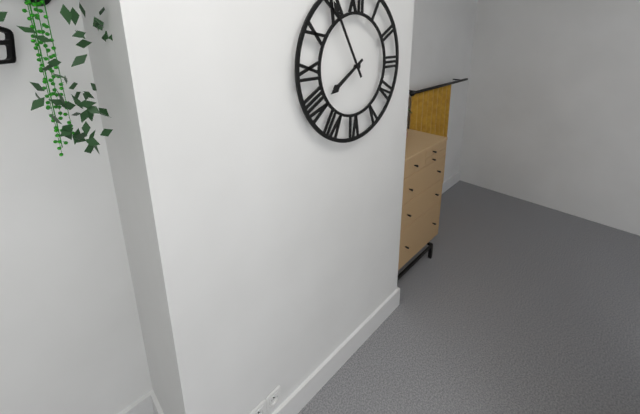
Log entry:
**7:55**
